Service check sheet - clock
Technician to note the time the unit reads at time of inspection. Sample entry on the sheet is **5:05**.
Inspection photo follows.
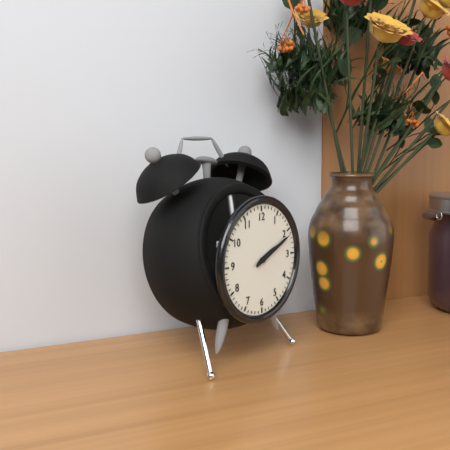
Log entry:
**2:11**
